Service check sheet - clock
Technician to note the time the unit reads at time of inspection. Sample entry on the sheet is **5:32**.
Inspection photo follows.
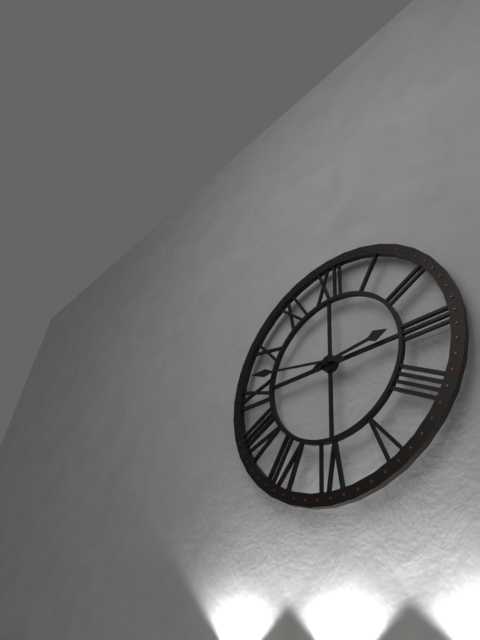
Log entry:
**2:47**
